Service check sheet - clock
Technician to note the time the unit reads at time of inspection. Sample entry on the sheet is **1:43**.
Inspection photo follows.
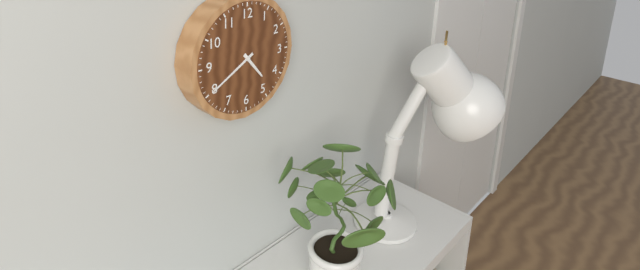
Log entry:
**4:40**
